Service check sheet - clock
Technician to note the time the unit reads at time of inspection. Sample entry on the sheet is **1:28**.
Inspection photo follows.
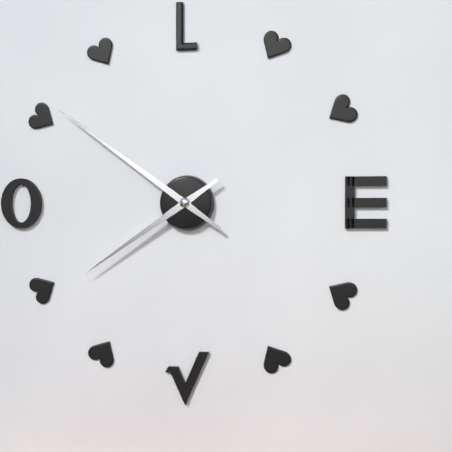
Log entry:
**7:51**
